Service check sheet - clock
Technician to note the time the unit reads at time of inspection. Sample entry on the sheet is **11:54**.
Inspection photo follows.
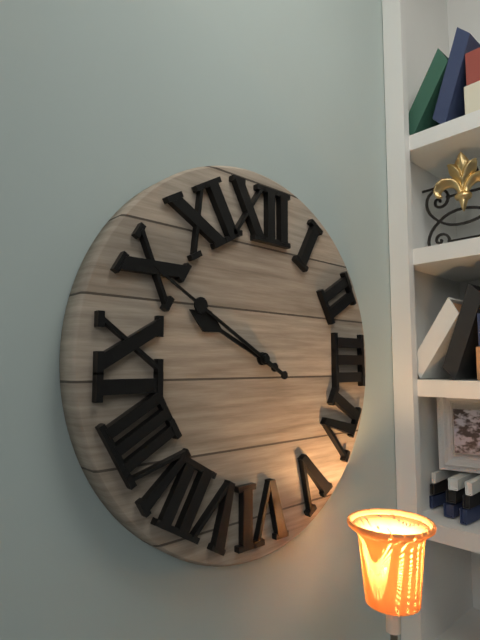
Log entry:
**9:50**
